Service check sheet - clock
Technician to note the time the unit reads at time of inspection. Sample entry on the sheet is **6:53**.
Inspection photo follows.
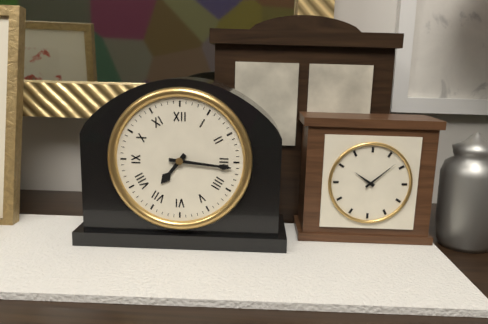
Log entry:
**7:16**
